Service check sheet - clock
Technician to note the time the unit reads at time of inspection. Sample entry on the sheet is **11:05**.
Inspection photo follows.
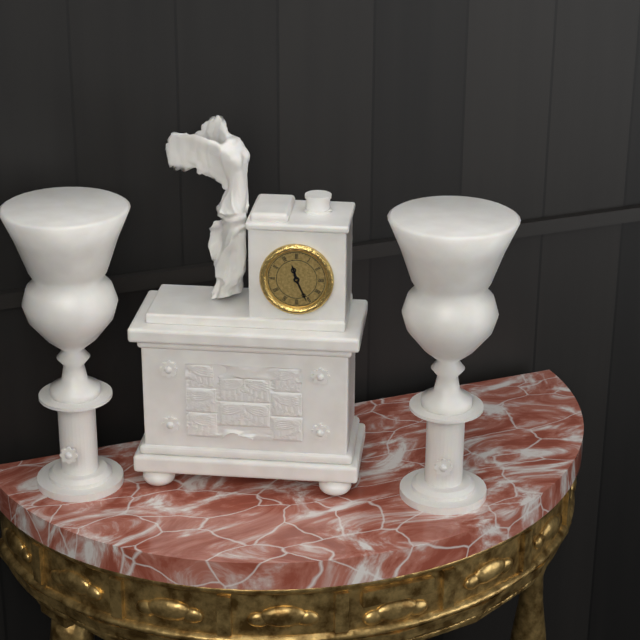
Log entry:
**11:26**
